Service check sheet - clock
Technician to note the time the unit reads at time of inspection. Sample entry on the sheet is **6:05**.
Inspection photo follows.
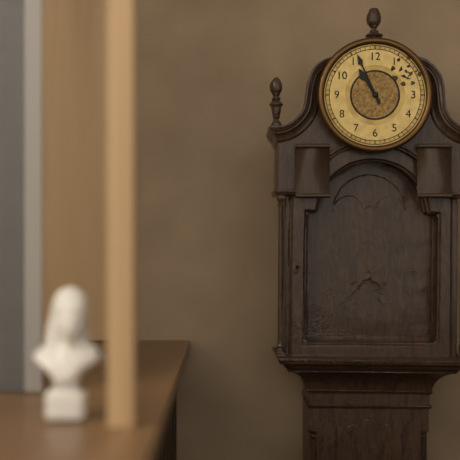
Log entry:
**10:56**
